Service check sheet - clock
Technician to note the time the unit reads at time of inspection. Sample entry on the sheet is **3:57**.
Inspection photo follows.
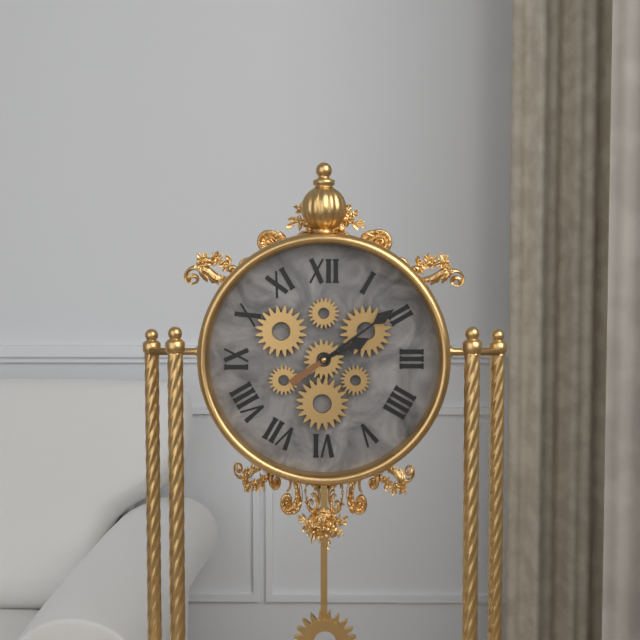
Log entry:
**2:09**
